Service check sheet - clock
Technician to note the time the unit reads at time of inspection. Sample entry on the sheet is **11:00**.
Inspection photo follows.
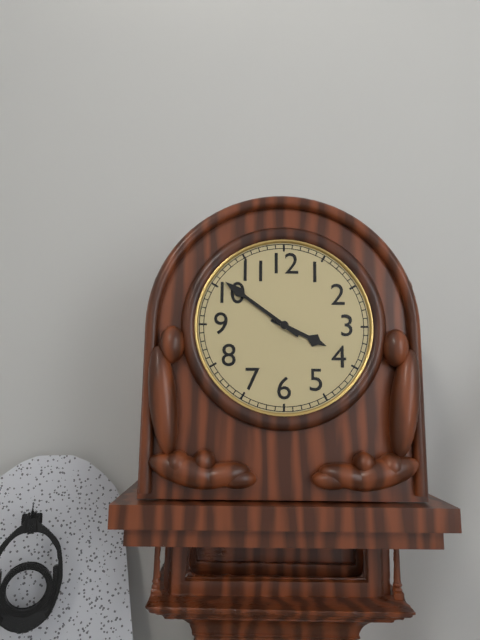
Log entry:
**3:51**
